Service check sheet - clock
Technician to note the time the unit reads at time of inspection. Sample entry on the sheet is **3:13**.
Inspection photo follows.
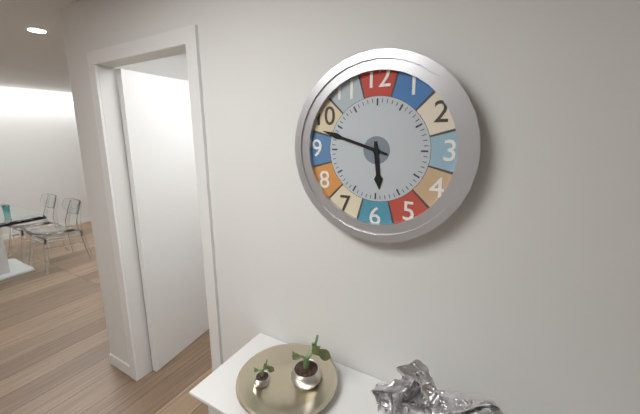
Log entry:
**5:48**
